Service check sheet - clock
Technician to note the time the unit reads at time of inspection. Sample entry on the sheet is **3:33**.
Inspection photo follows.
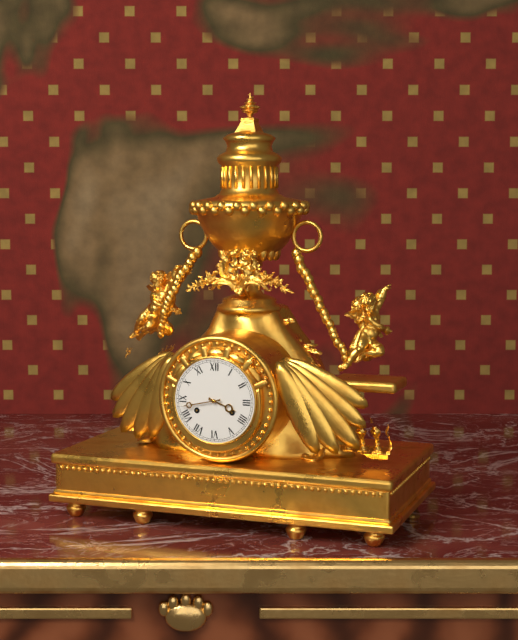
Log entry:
**3:43**
